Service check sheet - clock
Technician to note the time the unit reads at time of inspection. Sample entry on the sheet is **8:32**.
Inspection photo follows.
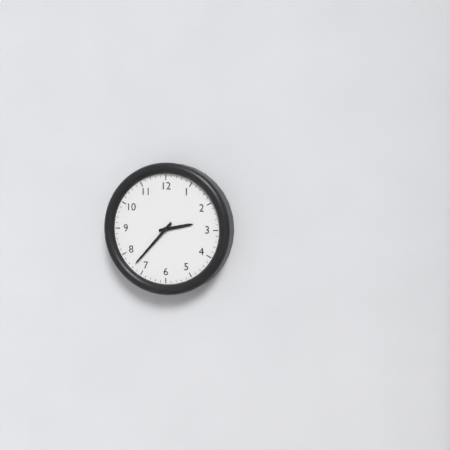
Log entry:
**2:37**
